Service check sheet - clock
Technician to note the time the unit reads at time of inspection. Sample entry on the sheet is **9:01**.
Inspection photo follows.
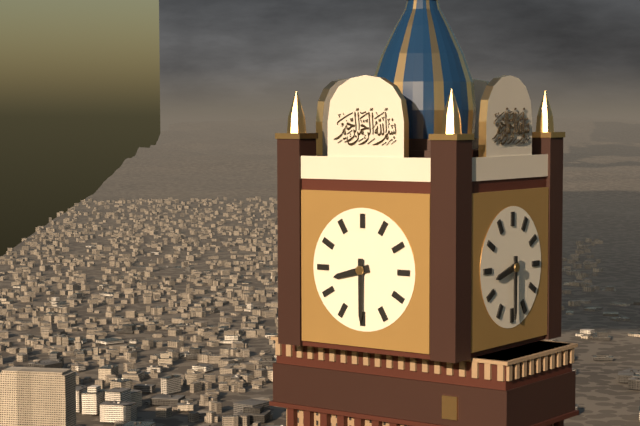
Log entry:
**8:30**
